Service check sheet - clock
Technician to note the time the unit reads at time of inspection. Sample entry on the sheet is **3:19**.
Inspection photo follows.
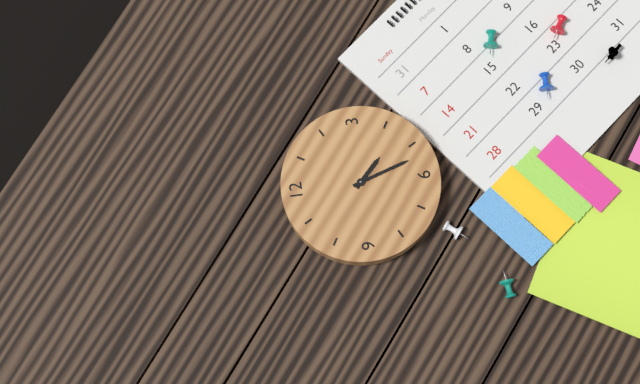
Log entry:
**4:27**
